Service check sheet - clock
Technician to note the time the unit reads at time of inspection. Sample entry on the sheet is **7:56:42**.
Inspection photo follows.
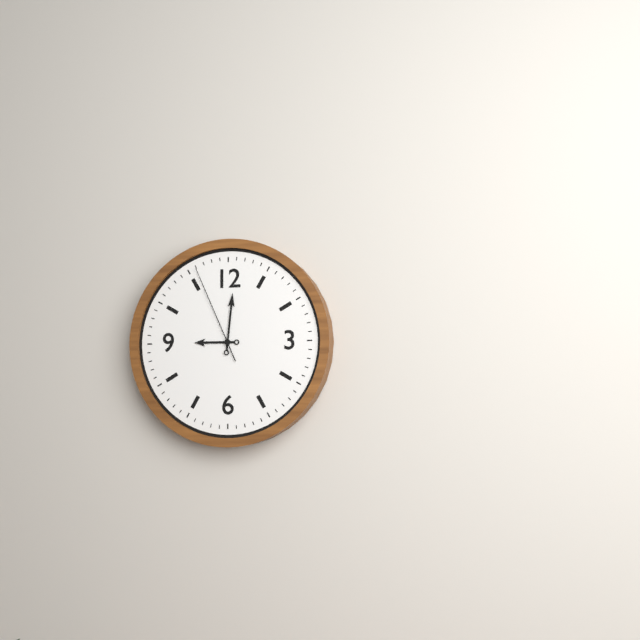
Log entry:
**9:01:56**
